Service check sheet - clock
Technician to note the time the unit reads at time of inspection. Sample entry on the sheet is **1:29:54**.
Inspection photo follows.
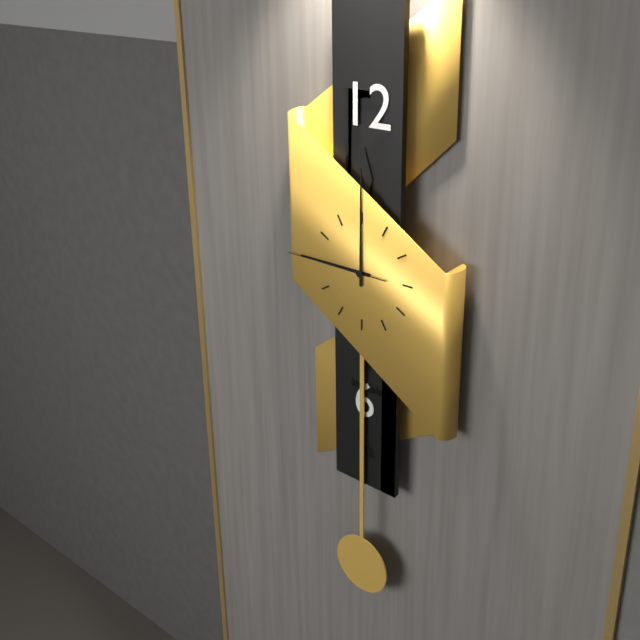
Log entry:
**9:00:45**
